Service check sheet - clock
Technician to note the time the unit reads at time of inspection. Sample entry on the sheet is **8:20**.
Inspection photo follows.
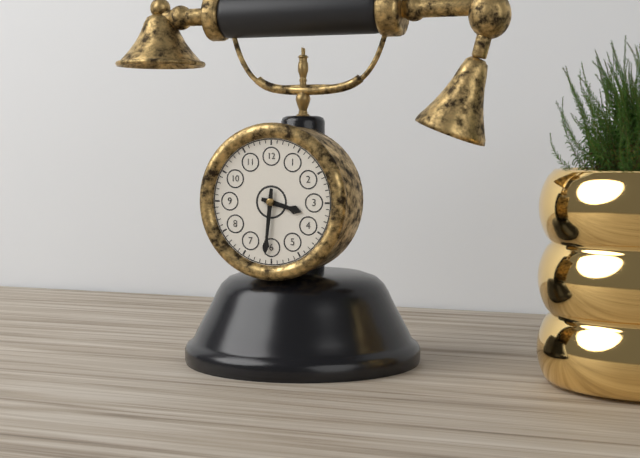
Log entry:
**3:31**
